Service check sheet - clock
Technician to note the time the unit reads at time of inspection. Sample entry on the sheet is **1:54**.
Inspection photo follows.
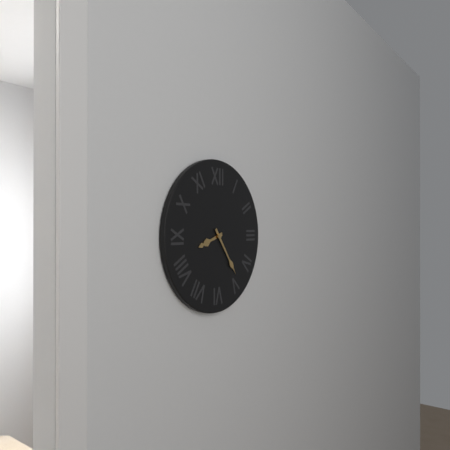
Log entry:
**8:24**
